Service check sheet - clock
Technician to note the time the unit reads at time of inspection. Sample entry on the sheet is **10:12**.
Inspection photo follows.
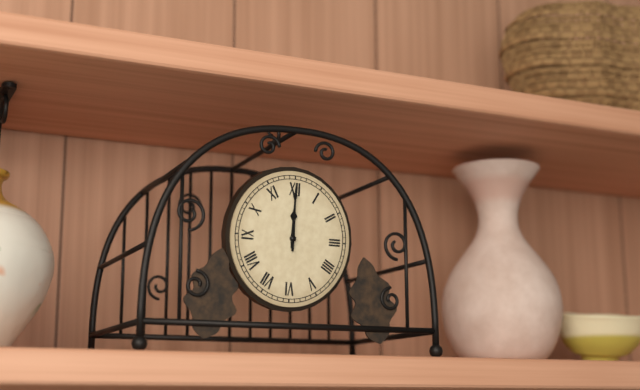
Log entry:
**12:00**
